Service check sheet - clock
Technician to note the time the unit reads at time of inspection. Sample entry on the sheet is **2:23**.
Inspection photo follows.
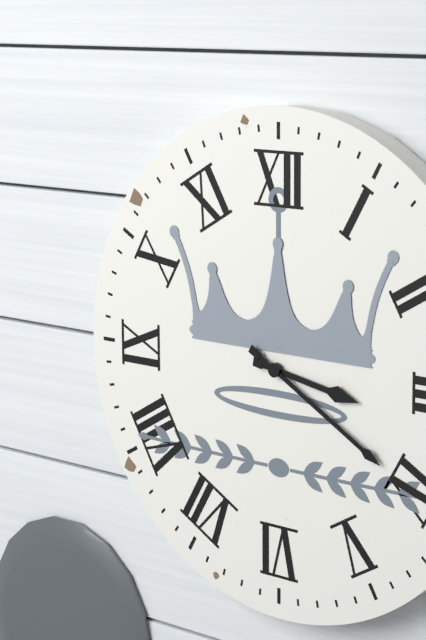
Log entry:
**3:20**
